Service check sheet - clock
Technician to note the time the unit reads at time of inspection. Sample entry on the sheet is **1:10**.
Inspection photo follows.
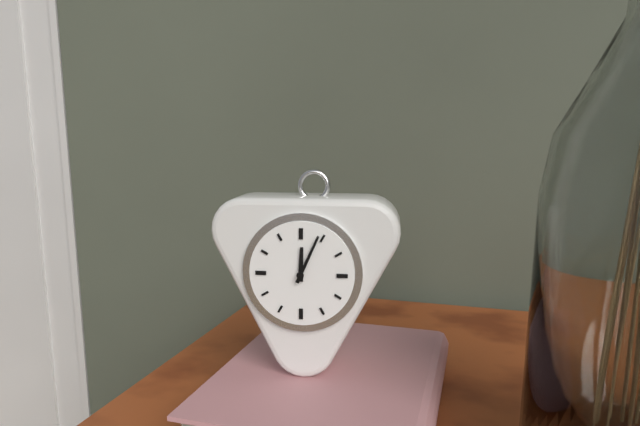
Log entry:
**12:04**
